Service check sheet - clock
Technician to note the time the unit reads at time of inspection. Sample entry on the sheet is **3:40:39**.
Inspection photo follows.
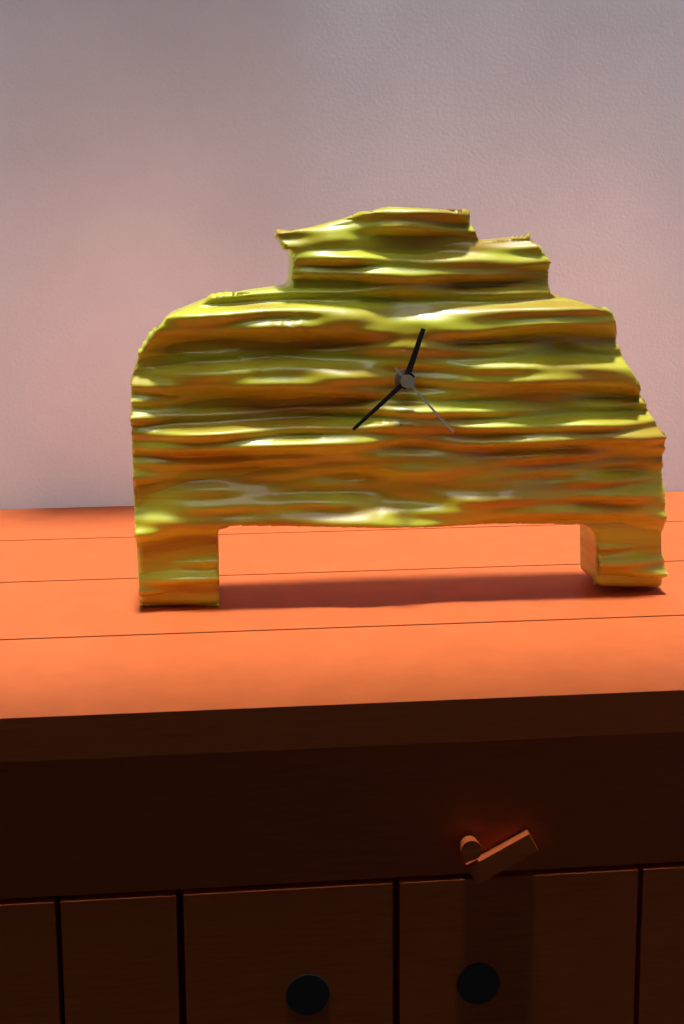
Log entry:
**12:38:23**
